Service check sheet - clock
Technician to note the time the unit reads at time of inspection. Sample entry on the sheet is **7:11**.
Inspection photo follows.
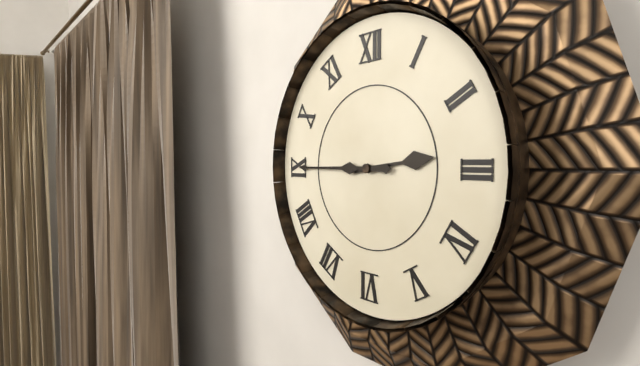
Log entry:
**2:45**
